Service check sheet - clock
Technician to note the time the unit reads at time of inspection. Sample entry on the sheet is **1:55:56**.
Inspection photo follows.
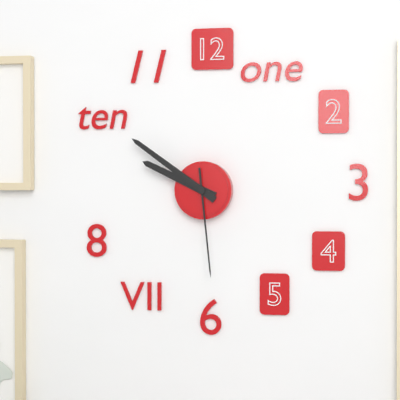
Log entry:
**9:51:29**
